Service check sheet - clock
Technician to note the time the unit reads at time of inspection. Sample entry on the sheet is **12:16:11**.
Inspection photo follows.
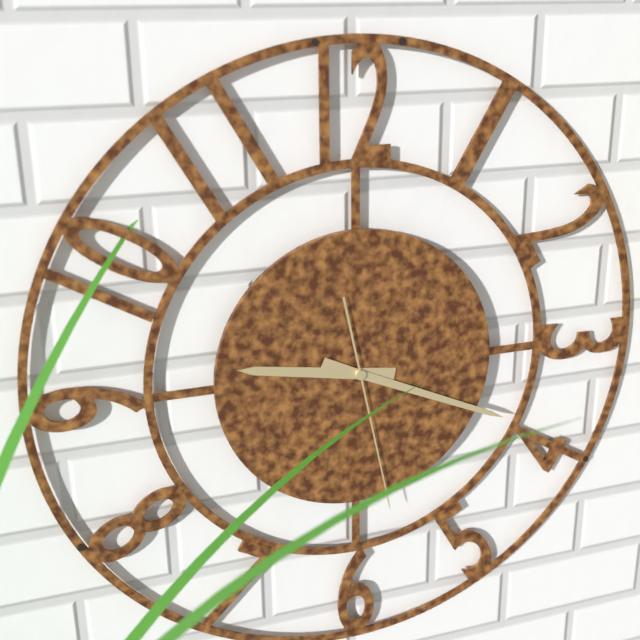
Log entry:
**9:19:28**
